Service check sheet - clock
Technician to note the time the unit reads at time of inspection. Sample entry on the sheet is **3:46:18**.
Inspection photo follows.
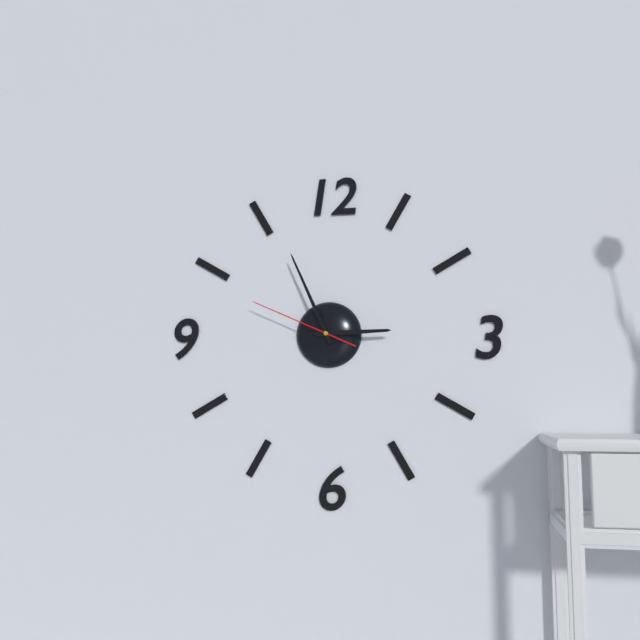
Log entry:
**2:56:49**
